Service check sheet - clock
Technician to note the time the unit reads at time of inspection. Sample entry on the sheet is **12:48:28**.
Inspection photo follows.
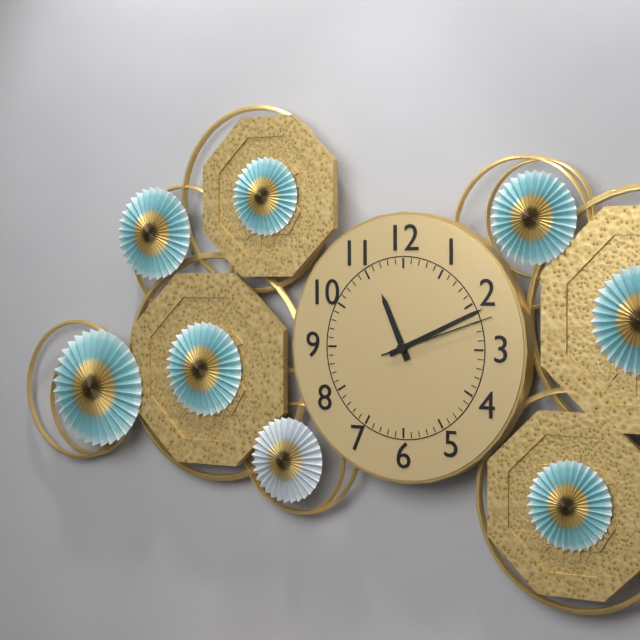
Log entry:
**11:11:12**
